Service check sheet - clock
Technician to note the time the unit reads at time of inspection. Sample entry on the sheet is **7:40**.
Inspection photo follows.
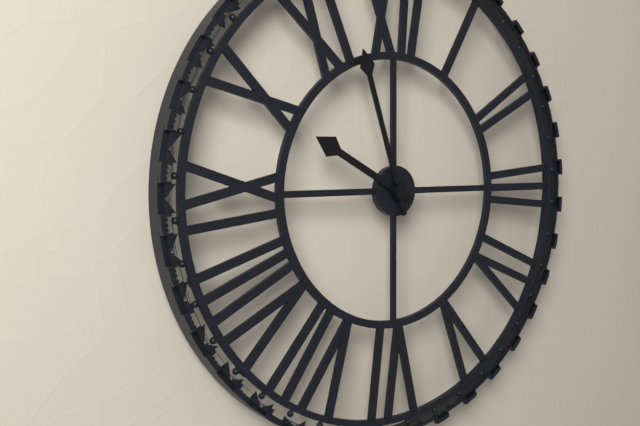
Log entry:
**9:57**
